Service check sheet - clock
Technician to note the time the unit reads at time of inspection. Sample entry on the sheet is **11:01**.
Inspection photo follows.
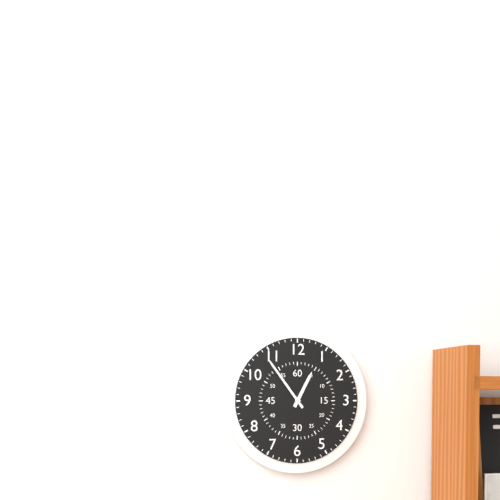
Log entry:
**12:54**
